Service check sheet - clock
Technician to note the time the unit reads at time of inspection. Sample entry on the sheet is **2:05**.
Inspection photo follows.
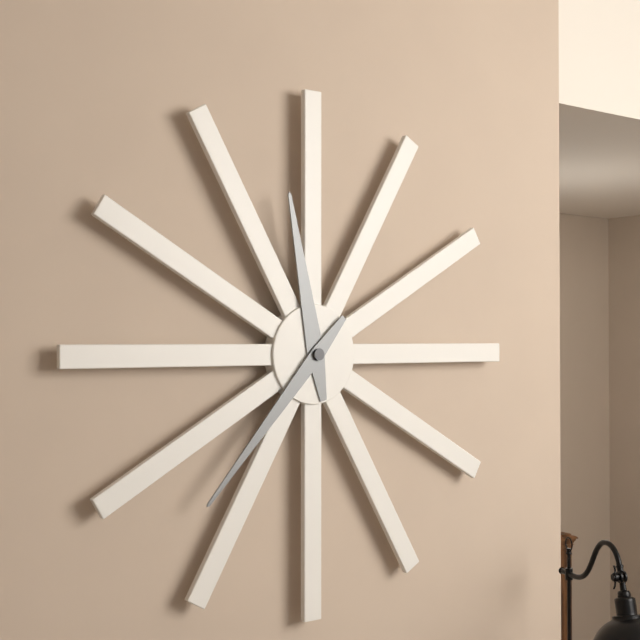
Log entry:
**11:37**
